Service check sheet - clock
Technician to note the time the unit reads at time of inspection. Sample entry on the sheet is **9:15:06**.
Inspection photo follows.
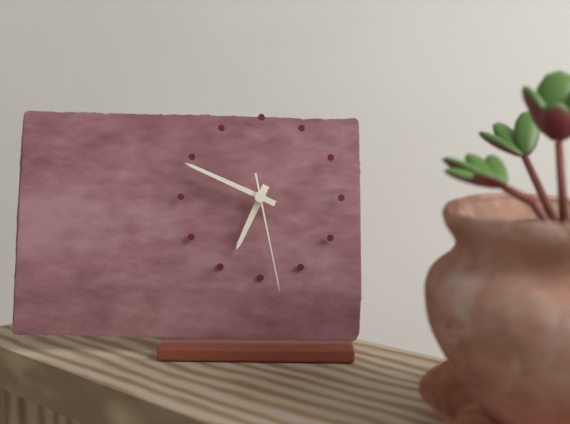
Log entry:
**6:49:28**
